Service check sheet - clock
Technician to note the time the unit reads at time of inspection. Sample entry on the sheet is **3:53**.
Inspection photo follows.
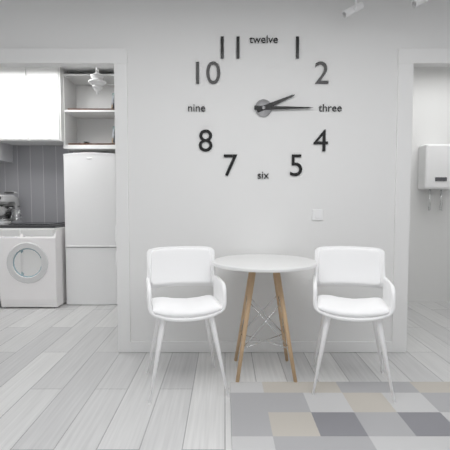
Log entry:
**2:15**
